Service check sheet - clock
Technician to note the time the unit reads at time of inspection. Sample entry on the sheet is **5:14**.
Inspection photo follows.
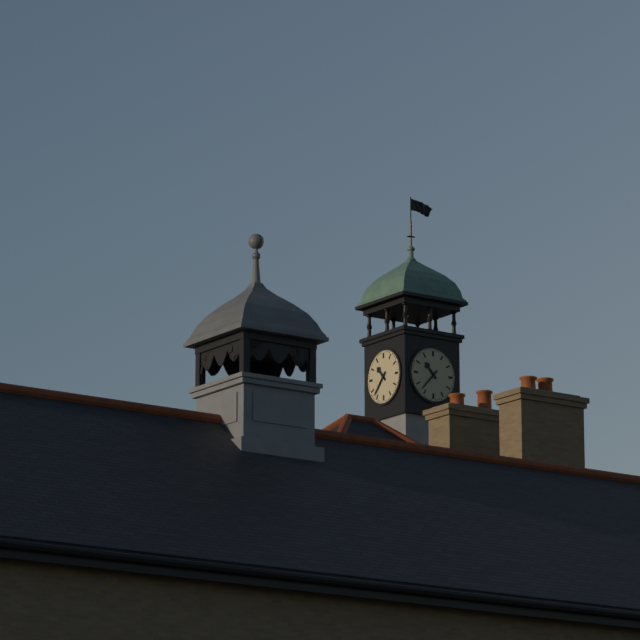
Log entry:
**10:37**
